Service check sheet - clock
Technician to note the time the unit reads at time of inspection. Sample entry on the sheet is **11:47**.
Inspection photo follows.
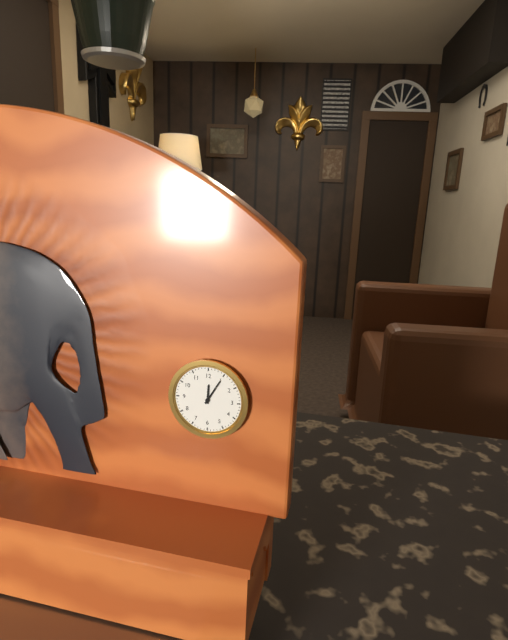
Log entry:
**12:05**
